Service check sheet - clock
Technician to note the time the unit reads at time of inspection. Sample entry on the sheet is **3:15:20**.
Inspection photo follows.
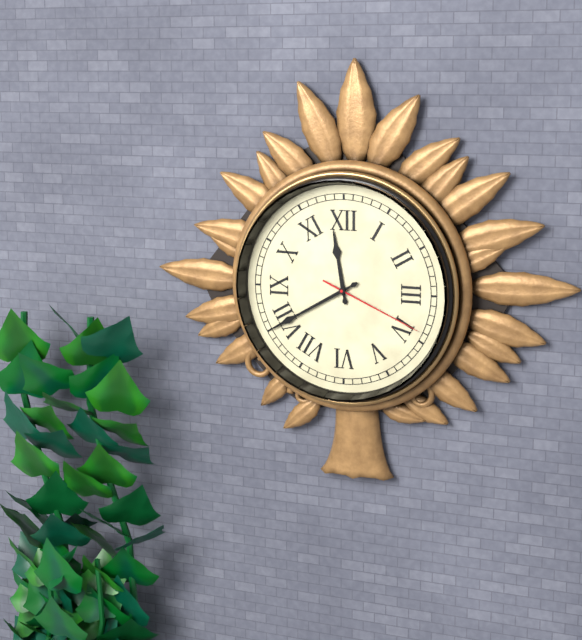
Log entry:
**11:40:19**
